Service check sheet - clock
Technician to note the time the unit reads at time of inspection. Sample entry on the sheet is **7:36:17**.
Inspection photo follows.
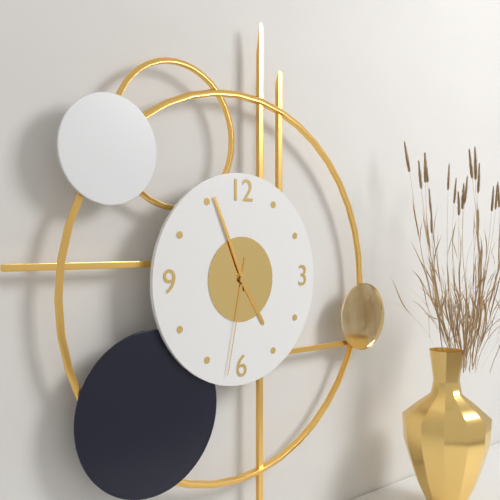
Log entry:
**4:56:32**
